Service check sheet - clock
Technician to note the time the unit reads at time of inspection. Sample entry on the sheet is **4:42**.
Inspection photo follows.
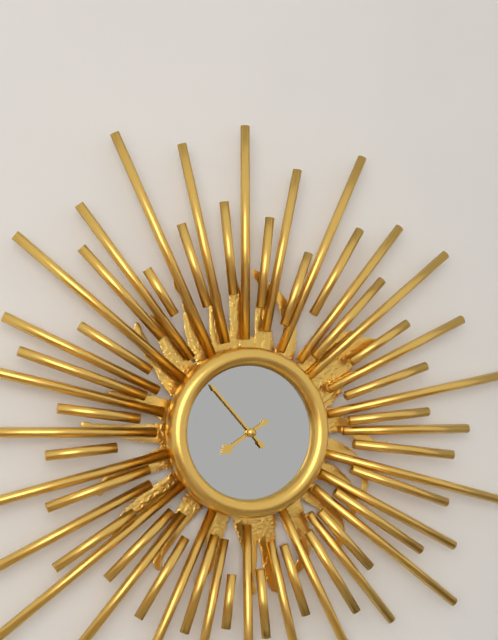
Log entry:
**7:53**
